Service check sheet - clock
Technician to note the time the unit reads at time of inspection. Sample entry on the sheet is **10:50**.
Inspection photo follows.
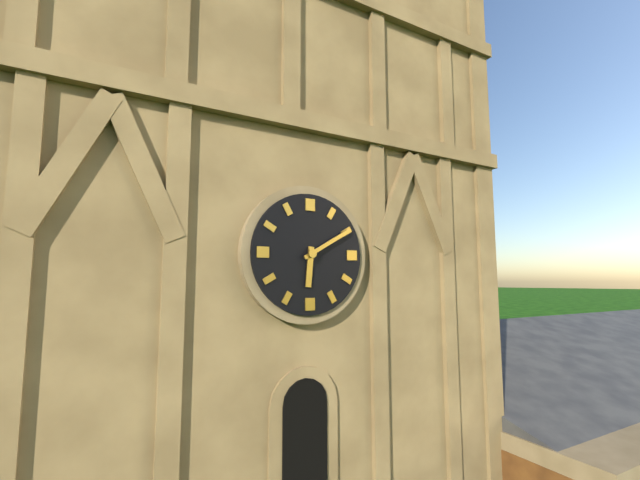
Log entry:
**6:10**
